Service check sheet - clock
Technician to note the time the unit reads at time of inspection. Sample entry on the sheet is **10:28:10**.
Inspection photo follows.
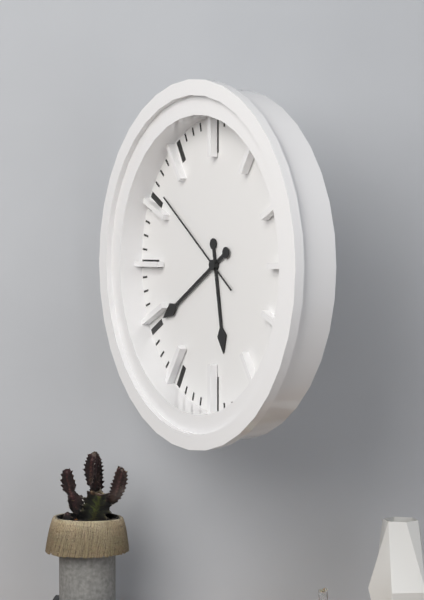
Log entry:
**5:40:51**
